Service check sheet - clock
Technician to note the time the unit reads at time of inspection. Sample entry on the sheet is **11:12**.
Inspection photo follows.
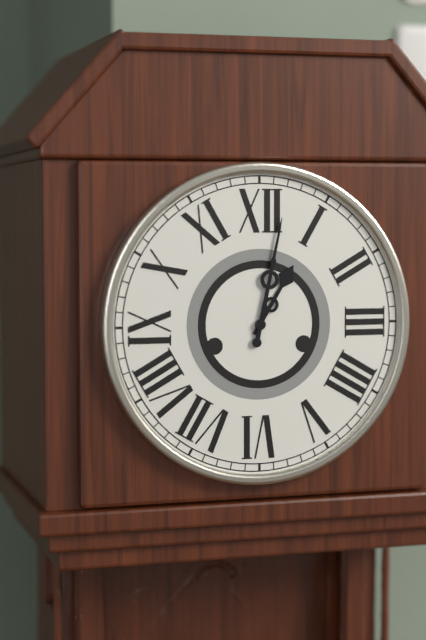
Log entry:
**1:02**
